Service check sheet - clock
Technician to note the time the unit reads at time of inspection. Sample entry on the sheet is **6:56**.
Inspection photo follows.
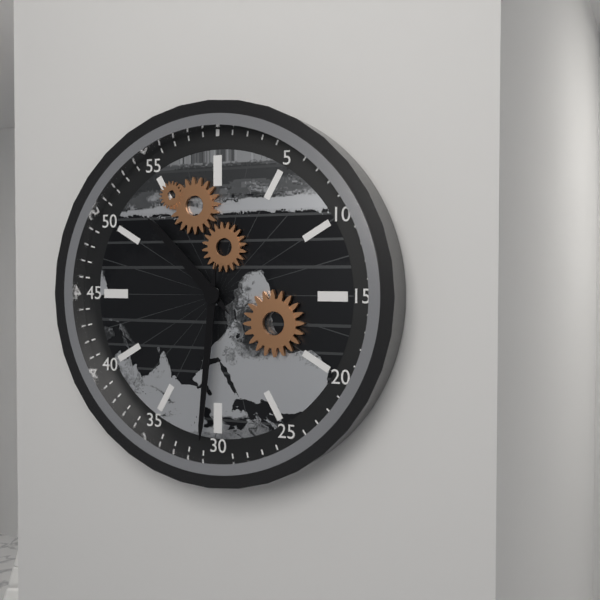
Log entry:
**10:31**
